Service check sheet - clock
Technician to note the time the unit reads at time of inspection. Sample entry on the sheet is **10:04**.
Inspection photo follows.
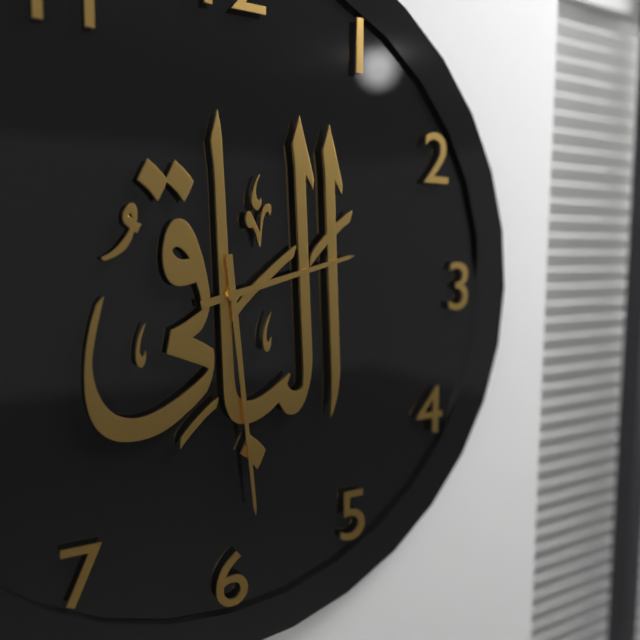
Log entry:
**2:29**
